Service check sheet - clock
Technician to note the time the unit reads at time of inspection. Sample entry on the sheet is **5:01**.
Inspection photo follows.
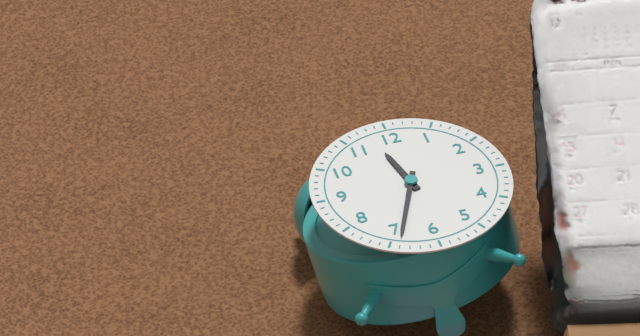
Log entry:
**11:34**
